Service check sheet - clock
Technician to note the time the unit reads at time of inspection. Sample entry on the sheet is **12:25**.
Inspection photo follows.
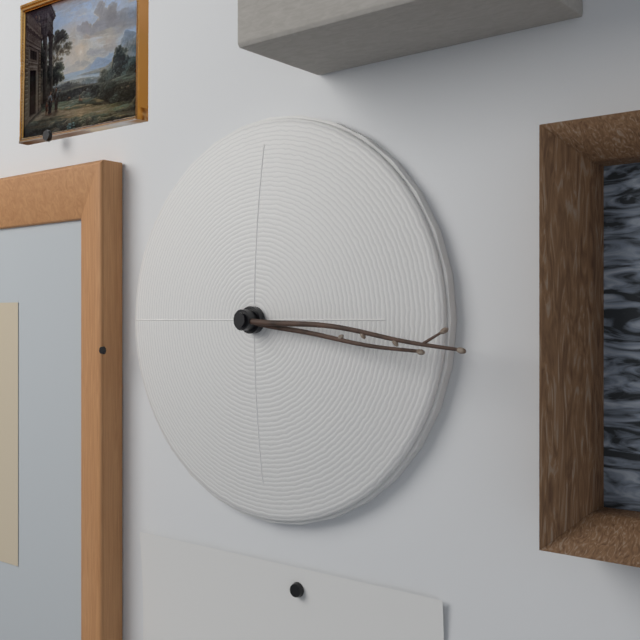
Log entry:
**3:16**
